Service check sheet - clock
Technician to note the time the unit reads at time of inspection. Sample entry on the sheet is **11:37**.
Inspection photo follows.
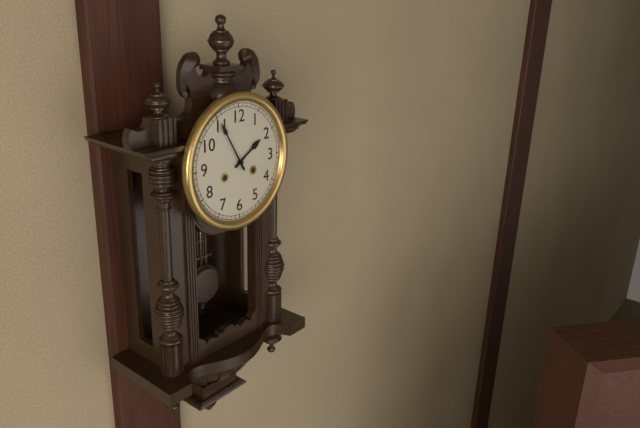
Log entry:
**1:55**
